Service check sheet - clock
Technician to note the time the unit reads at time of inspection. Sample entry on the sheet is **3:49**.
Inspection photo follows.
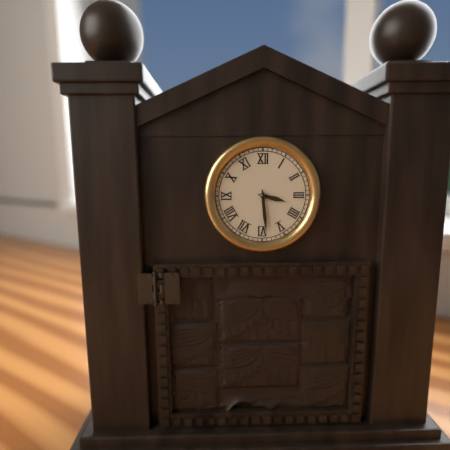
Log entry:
**3:29**
